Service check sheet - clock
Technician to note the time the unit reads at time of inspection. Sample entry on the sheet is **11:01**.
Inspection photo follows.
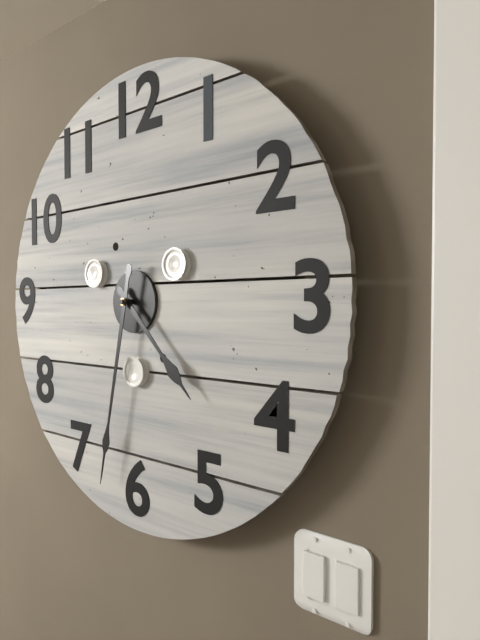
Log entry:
**4:32**
